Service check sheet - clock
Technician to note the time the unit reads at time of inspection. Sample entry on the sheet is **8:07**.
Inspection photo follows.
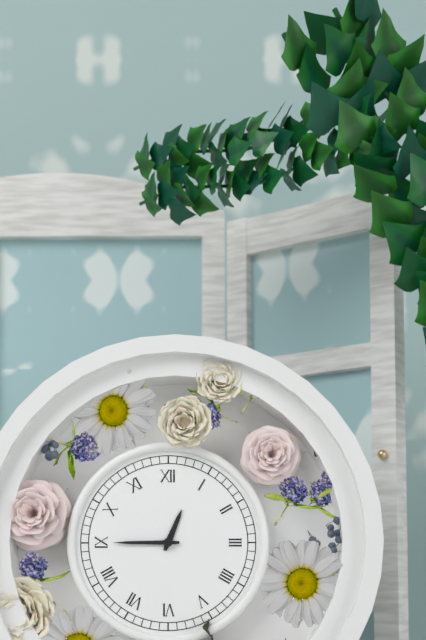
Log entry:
**12:45**
